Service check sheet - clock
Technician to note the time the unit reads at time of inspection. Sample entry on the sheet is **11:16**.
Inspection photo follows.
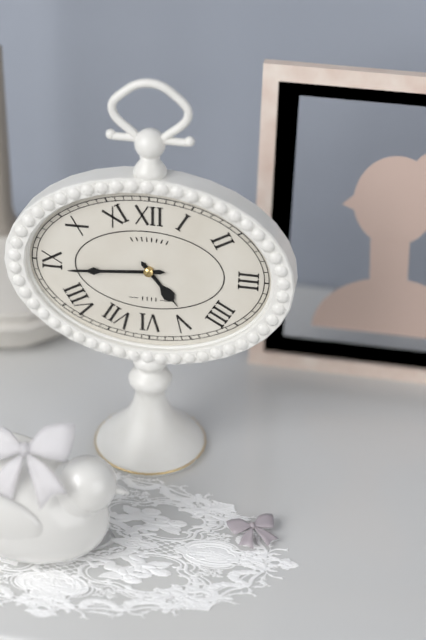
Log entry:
**4:44**
